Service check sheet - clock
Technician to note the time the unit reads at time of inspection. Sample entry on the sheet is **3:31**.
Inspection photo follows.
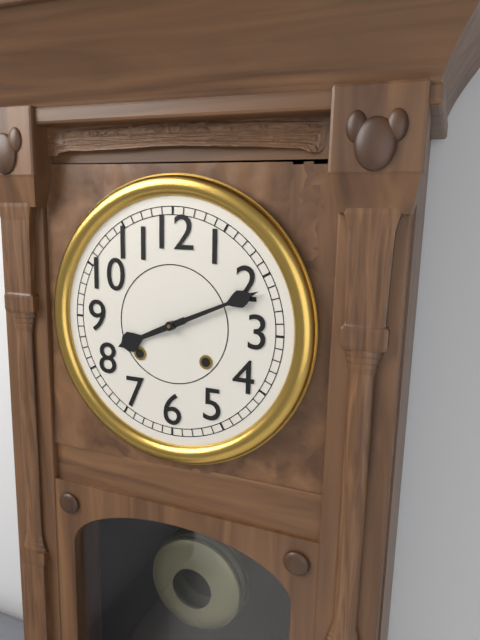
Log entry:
**8:11**
